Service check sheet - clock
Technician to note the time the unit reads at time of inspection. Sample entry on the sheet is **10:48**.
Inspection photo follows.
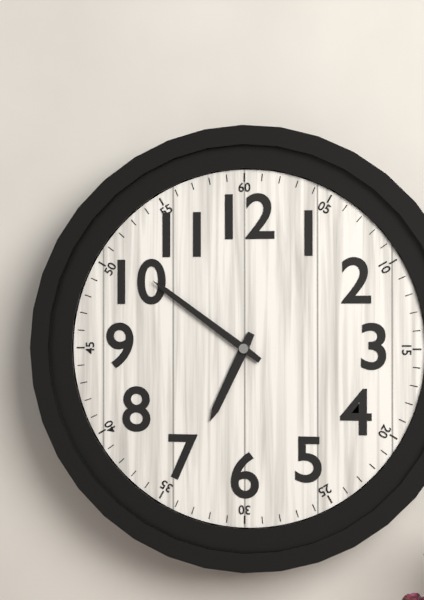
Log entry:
**6:51**
